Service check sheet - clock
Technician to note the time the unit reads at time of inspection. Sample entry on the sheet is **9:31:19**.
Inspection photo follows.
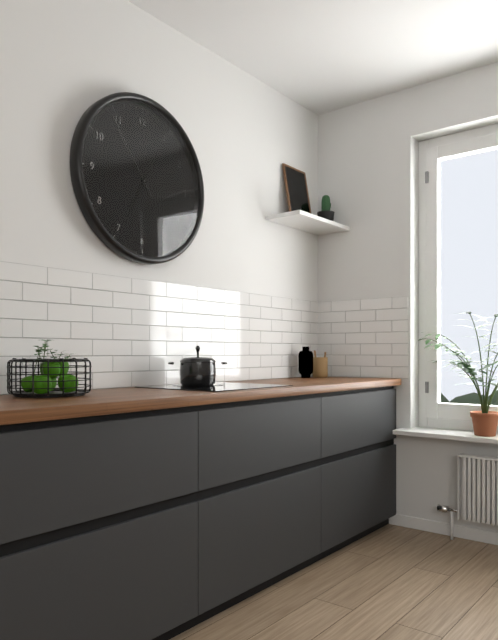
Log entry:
**6:54:54**
